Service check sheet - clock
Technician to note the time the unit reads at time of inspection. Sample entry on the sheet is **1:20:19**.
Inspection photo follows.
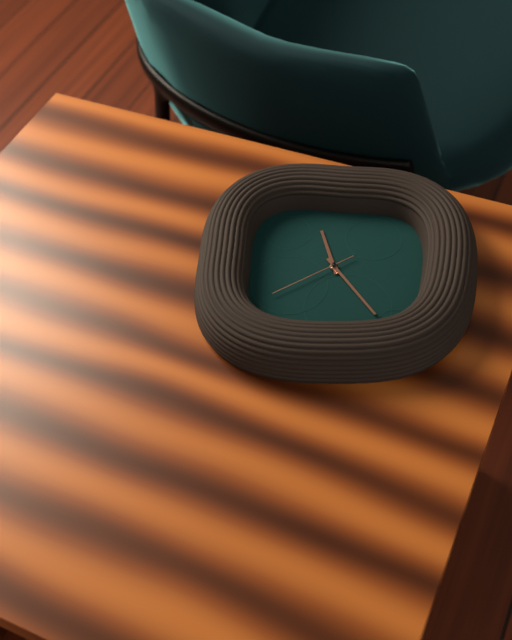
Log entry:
**11:24:39**
